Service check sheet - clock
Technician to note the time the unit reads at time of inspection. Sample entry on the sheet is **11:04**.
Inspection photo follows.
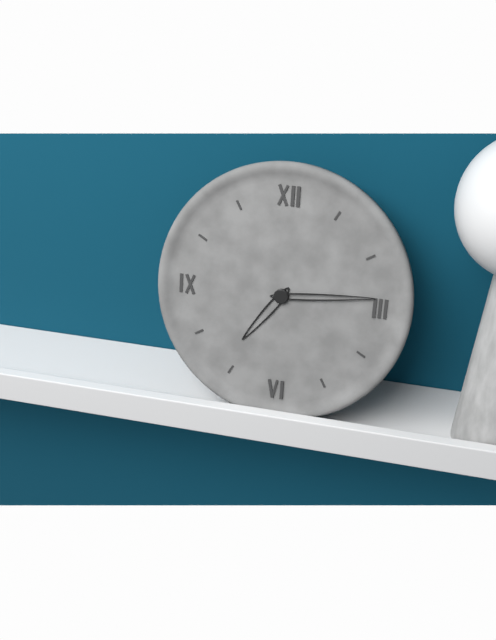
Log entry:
**7:14**
